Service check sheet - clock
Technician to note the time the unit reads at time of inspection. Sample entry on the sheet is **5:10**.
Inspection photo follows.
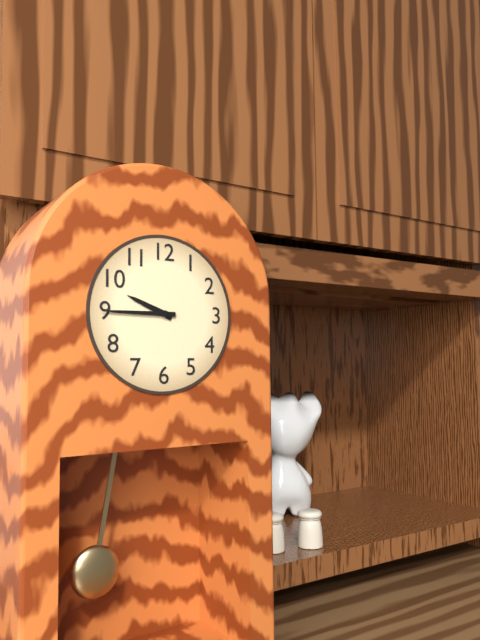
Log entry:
**9:45**
